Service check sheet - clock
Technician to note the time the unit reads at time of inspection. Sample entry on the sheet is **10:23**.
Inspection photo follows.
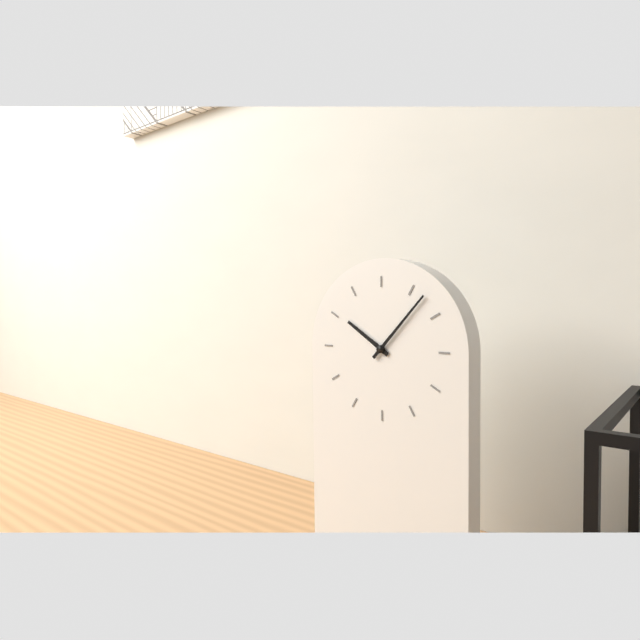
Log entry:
**10:07**
